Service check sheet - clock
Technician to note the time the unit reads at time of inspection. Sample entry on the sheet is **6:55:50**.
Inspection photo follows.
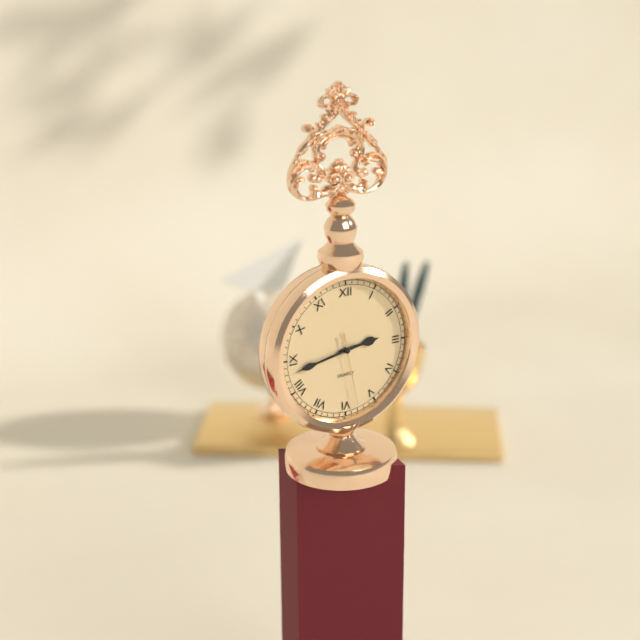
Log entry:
**2:43:28**
